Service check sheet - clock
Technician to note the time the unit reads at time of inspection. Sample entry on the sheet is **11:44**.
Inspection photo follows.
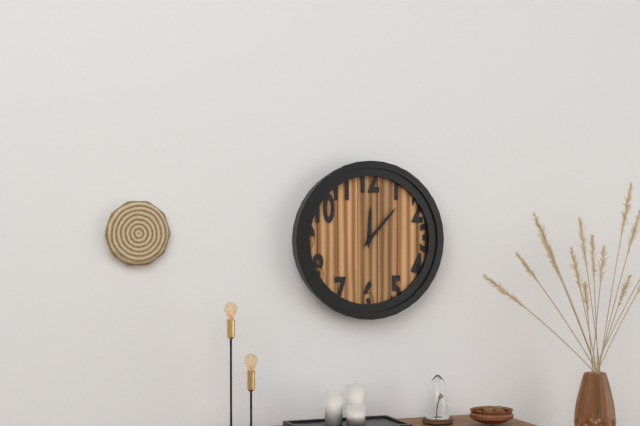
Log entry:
**12:07**
